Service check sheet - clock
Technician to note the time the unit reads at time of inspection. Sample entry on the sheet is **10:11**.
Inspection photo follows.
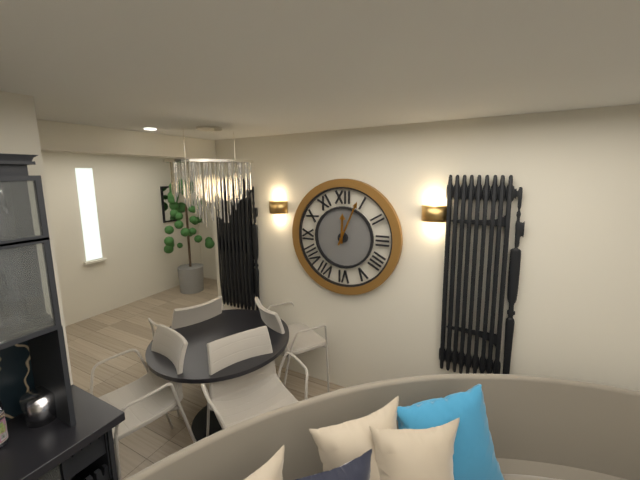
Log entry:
**12:04**
